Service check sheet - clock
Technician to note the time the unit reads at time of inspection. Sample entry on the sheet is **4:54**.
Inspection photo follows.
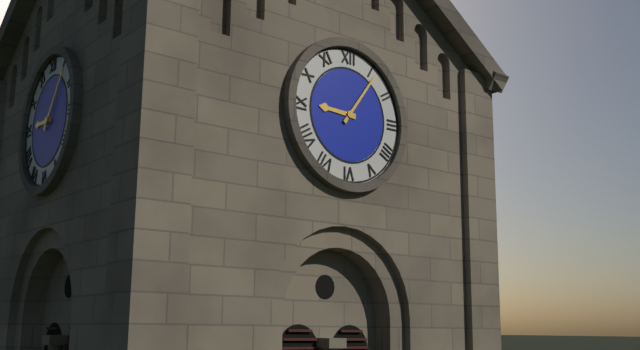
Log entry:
**9:06**
